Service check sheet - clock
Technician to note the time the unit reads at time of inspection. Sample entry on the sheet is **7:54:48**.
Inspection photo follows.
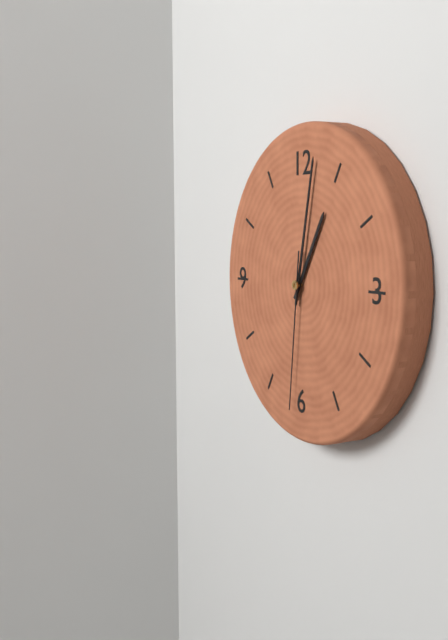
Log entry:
**1:02:31**
